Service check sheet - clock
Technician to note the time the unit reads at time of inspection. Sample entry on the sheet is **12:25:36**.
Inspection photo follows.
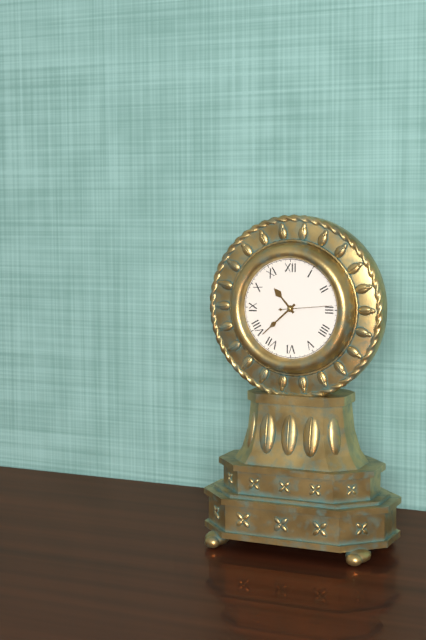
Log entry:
**10:38:14**
